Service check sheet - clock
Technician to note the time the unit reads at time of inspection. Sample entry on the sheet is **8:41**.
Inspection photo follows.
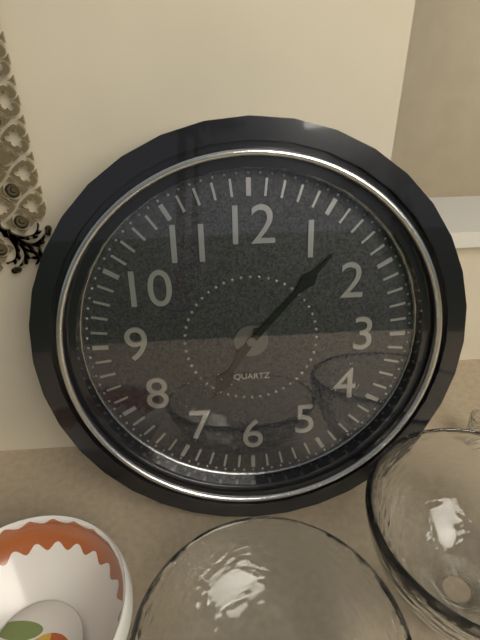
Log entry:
**7:07**
